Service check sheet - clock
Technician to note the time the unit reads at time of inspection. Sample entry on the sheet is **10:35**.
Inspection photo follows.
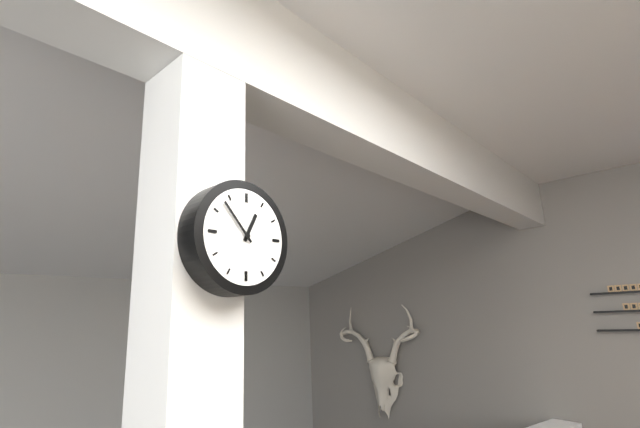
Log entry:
**12:53**
